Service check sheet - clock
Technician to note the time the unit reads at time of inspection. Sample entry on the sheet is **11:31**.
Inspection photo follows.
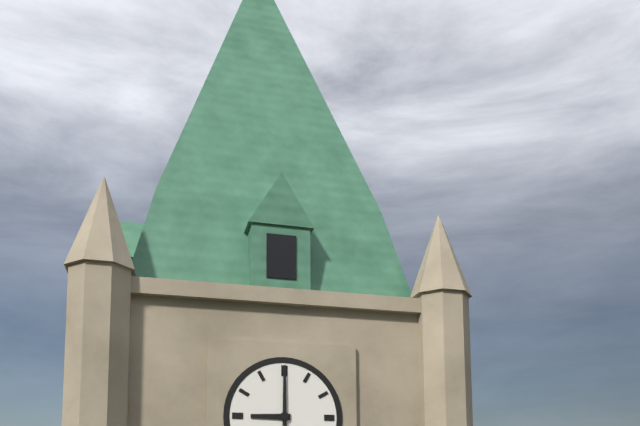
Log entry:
**9:00**
